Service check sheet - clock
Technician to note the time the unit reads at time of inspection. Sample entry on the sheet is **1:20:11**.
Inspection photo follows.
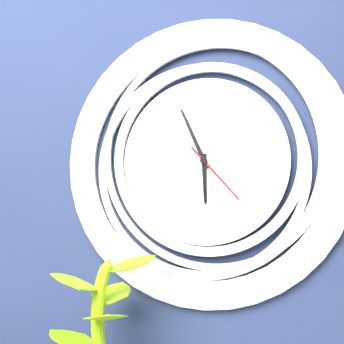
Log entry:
**5:56:23**
